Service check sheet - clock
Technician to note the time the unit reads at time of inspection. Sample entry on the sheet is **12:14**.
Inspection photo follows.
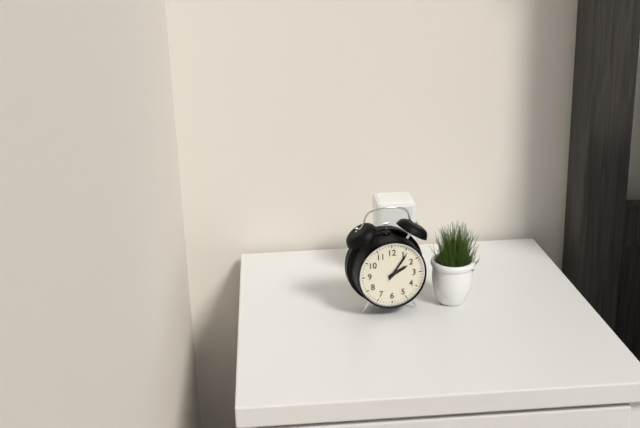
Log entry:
**2:06**
